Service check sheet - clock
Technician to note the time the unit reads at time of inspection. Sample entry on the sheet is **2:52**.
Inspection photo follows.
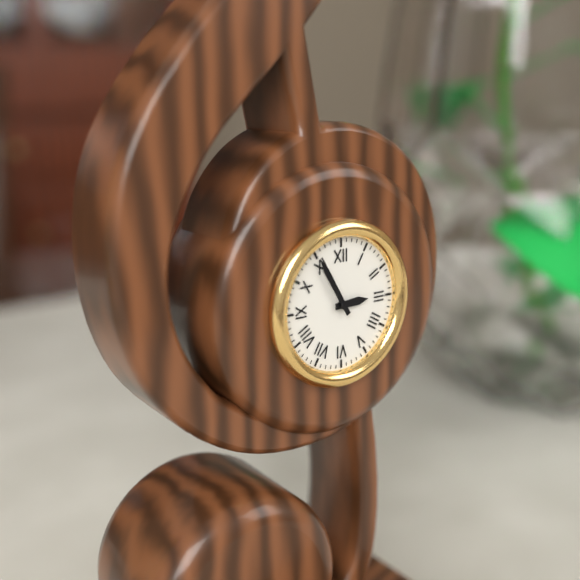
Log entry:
**2:55**
